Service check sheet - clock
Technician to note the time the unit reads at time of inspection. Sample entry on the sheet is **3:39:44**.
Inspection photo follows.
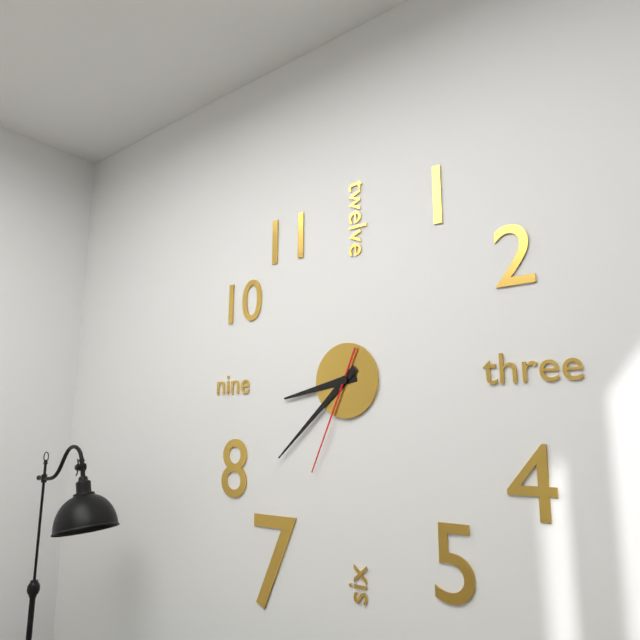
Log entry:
**8:38:34**
